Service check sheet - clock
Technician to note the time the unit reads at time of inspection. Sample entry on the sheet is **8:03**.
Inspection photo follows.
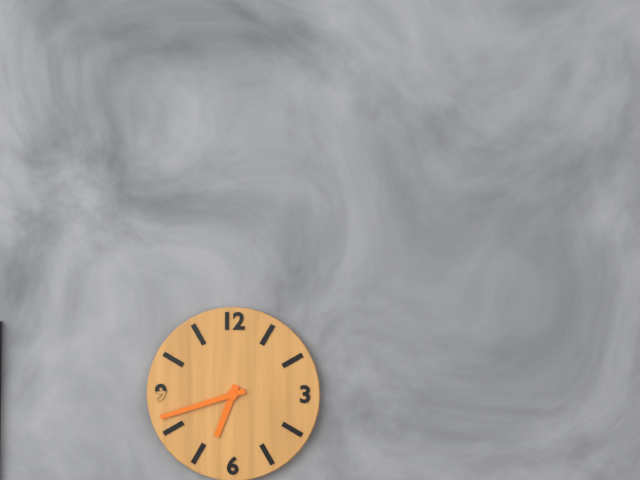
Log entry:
**6:42**
